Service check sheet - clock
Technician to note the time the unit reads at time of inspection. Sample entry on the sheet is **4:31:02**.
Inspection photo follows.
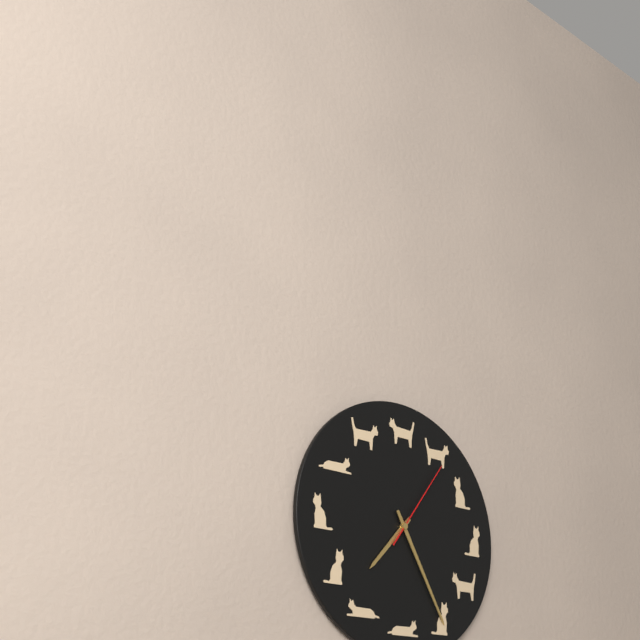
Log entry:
**7:25:06**
